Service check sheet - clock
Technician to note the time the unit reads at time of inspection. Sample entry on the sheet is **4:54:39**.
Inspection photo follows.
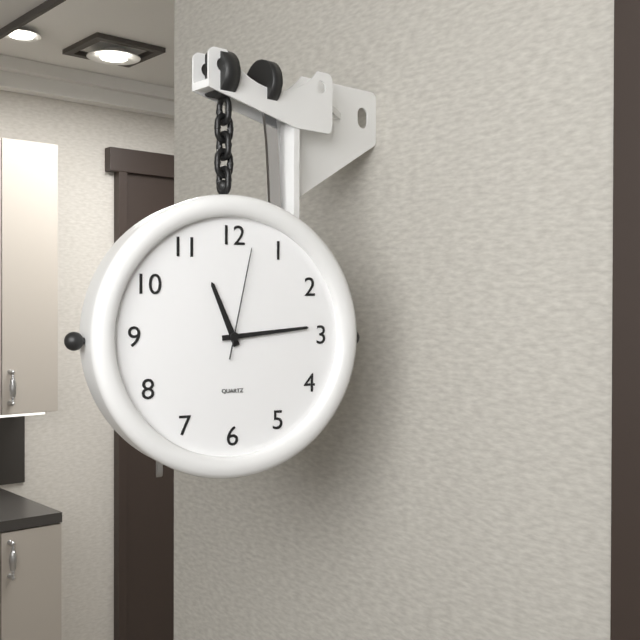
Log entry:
**11:14:02**
